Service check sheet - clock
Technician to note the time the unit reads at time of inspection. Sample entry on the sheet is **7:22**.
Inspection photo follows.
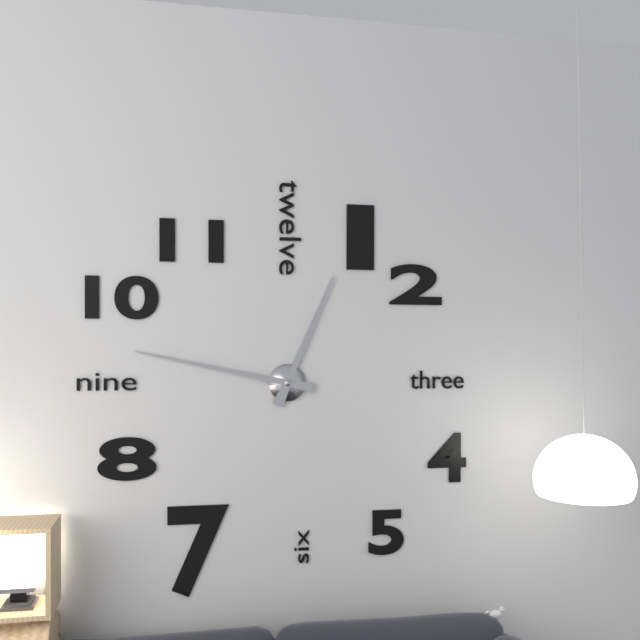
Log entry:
**12:47**
